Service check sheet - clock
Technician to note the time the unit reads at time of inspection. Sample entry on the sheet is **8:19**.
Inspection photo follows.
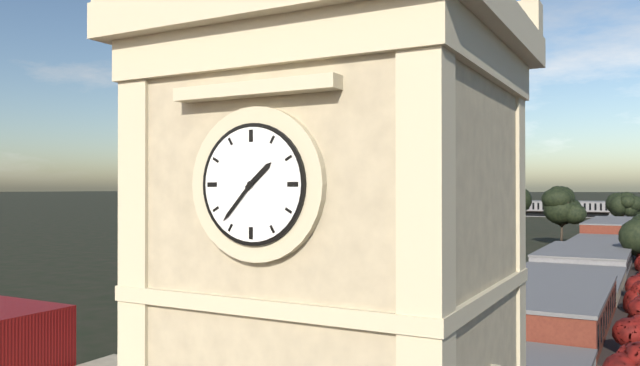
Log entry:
**1:37**
